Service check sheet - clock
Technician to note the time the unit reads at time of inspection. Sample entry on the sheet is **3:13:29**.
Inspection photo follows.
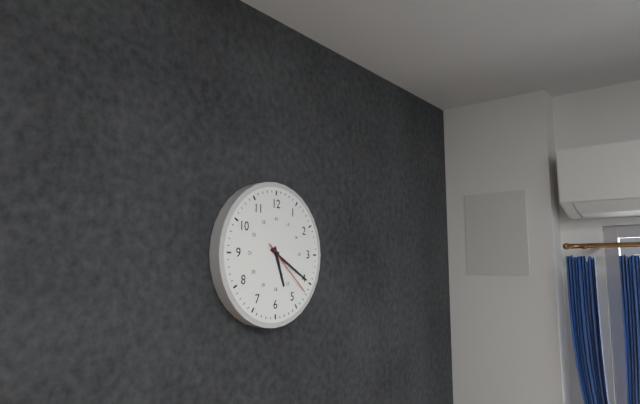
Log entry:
**5:20:22**
